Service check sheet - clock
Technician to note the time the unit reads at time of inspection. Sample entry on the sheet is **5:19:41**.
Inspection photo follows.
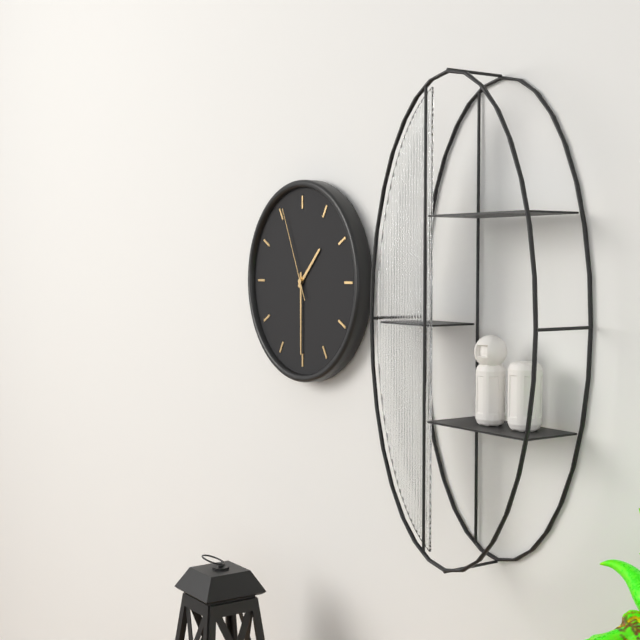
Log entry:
**1:30:56**
